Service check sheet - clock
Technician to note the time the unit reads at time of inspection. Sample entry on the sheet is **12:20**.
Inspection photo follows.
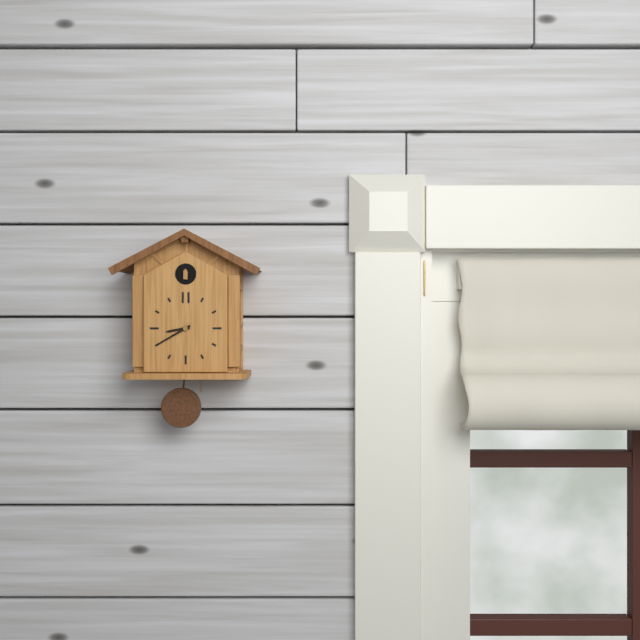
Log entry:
**8:40**
